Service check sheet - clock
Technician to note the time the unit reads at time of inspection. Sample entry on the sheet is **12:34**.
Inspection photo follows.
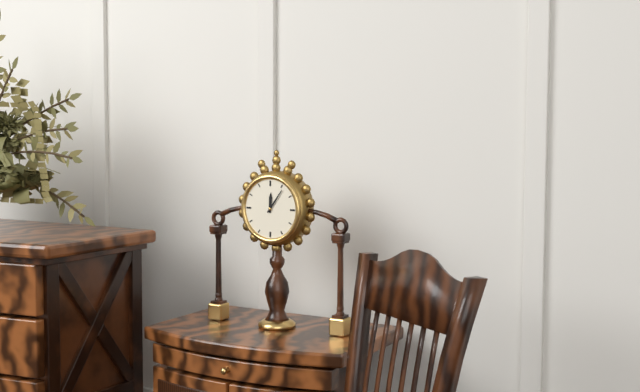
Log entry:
**12:06**
